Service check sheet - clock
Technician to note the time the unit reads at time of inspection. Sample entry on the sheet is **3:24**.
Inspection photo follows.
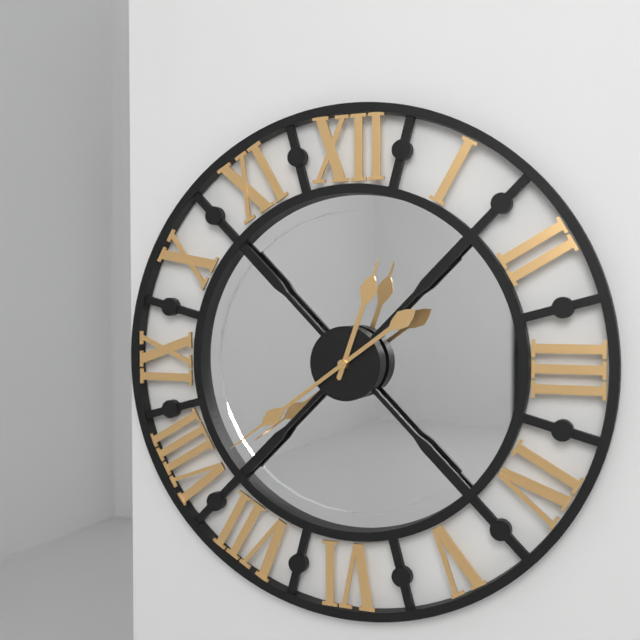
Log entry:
**12:39**
